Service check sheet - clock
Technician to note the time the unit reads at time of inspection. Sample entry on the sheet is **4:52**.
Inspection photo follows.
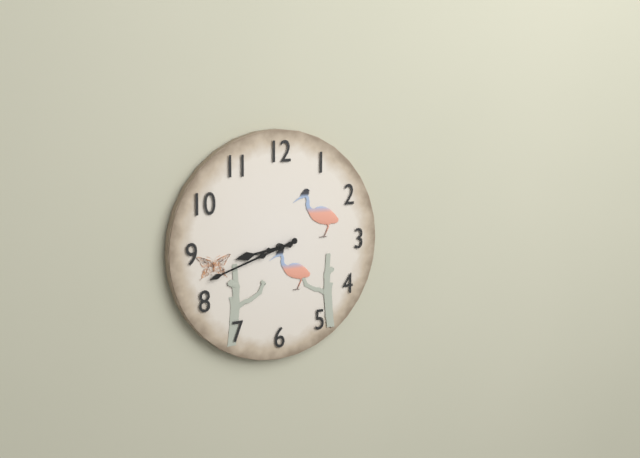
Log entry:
**8:42**
